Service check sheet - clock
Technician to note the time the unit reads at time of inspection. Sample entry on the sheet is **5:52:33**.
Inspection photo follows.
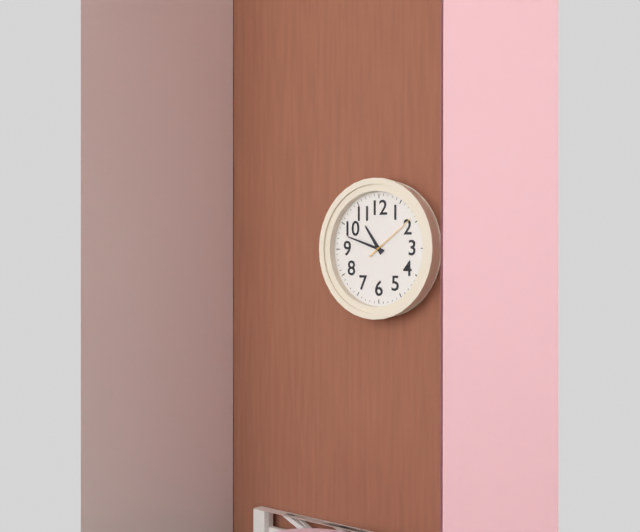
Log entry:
**10:48:09**
